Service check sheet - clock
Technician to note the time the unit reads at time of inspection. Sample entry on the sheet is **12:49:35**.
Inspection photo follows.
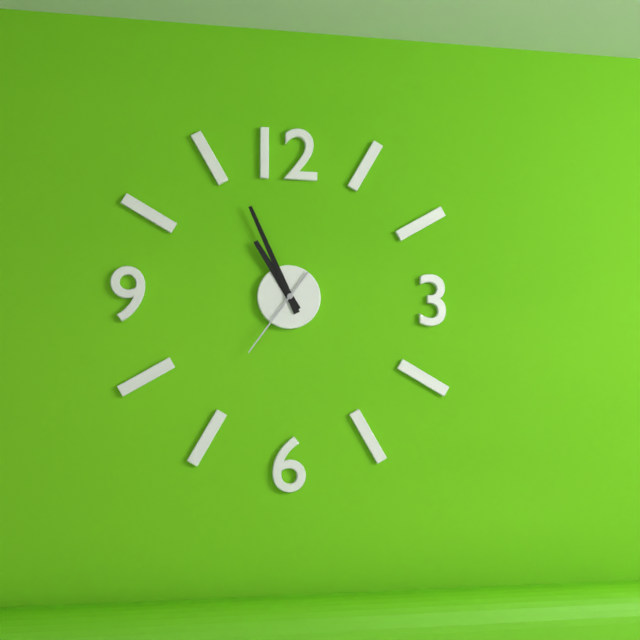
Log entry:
**10:56:36**
